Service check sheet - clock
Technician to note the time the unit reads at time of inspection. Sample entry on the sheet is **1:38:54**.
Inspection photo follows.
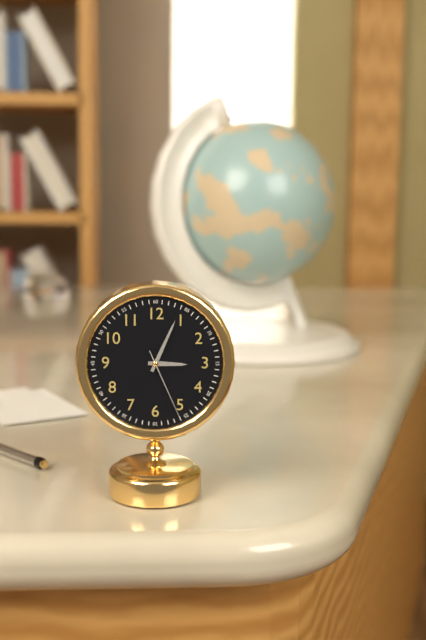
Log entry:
**3:04:26**
